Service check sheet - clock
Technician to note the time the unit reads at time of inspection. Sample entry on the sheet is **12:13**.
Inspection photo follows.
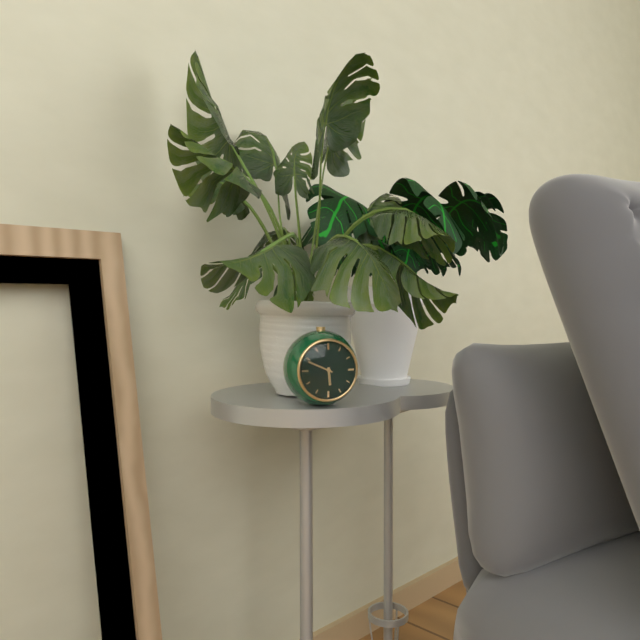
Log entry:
**5:49**
